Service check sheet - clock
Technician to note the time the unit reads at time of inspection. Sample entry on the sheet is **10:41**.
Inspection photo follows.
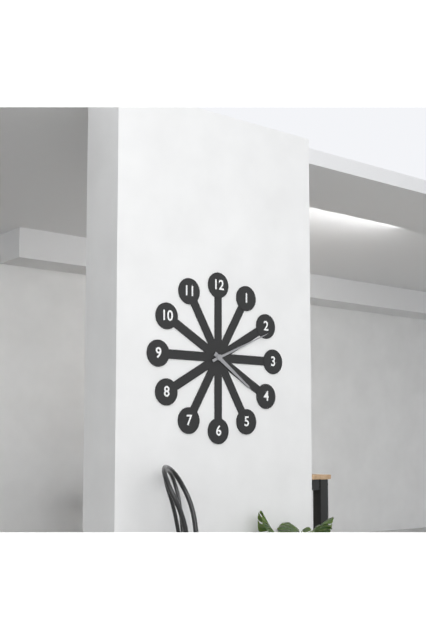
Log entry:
**4:11**
